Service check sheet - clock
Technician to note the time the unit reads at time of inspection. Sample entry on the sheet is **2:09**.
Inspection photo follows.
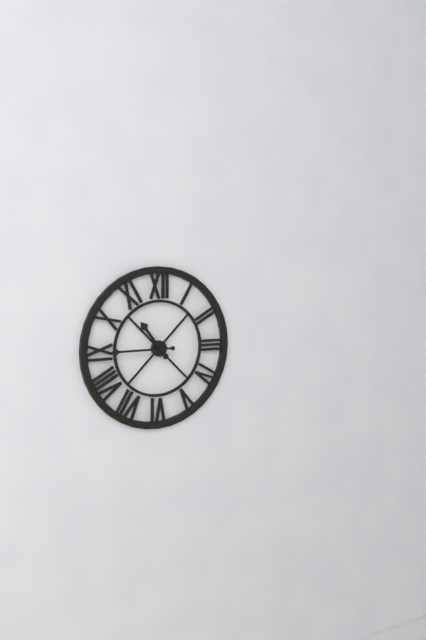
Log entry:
**10:45**
